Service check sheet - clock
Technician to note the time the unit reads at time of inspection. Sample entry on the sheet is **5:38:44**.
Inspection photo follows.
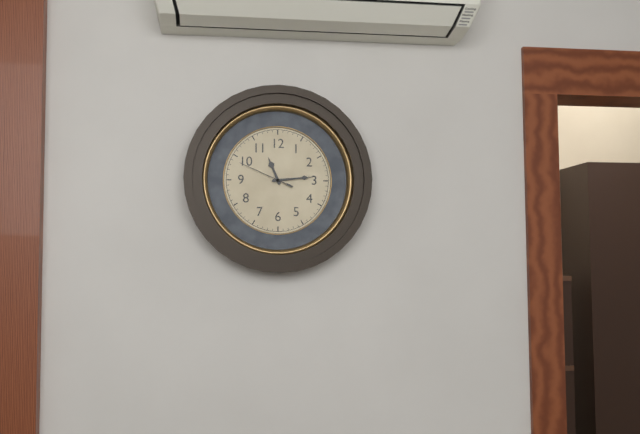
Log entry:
**11:14:49**
